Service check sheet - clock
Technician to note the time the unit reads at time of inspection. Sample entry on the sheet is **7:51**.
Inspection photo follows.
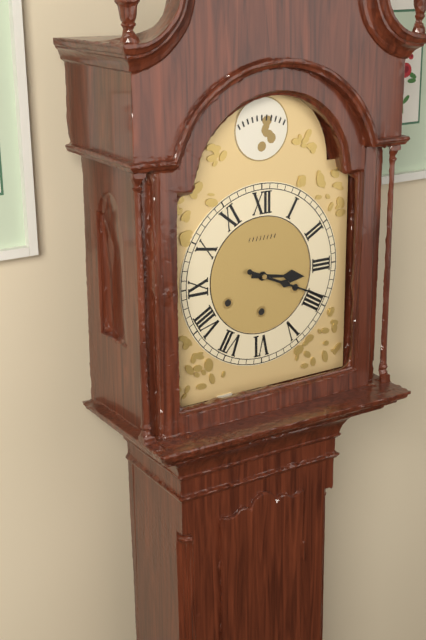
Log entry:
**3:19**
